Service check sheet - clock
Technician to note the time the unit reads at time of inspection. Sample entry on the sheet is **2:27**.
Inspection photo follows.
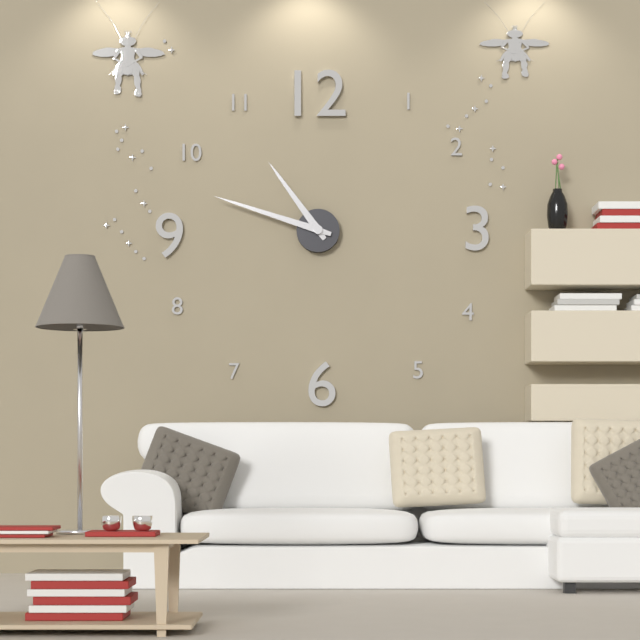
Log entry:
**10:48**
